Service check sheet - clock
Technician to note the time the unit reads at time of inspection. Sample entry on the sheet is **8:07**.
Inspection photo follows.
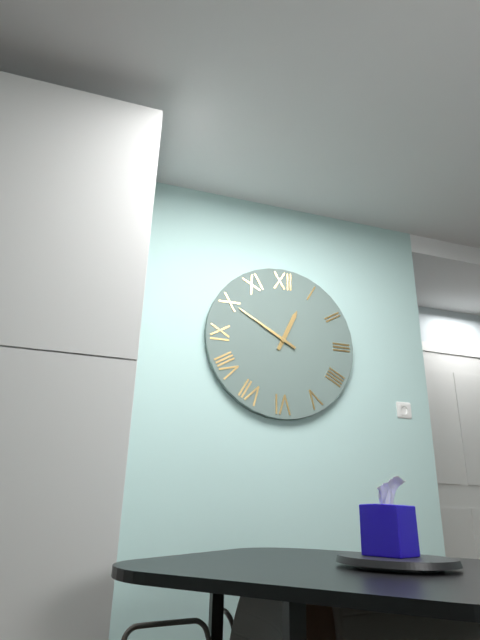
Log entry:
**12:50**
